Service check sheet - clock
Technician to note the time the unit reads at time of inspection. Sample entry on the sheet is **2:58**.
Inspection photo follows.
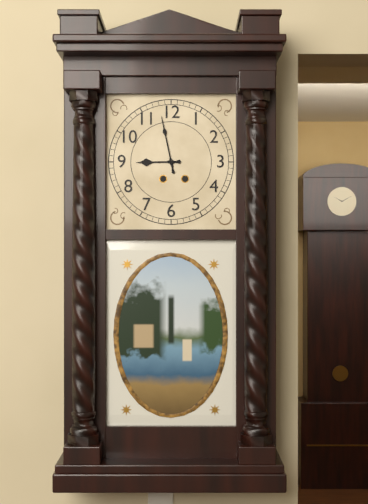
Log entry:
**8:58**
